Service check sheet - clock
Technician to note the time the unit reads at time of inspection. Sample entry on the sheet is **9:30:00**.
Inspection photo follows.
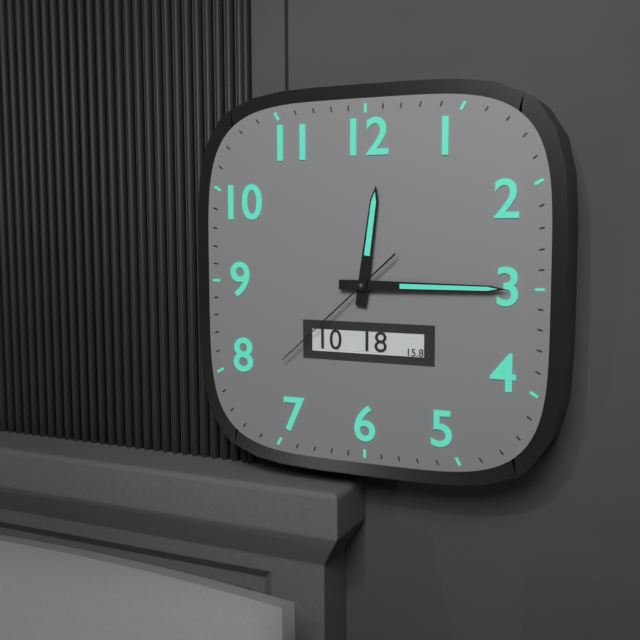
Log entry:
**12:15:38**
